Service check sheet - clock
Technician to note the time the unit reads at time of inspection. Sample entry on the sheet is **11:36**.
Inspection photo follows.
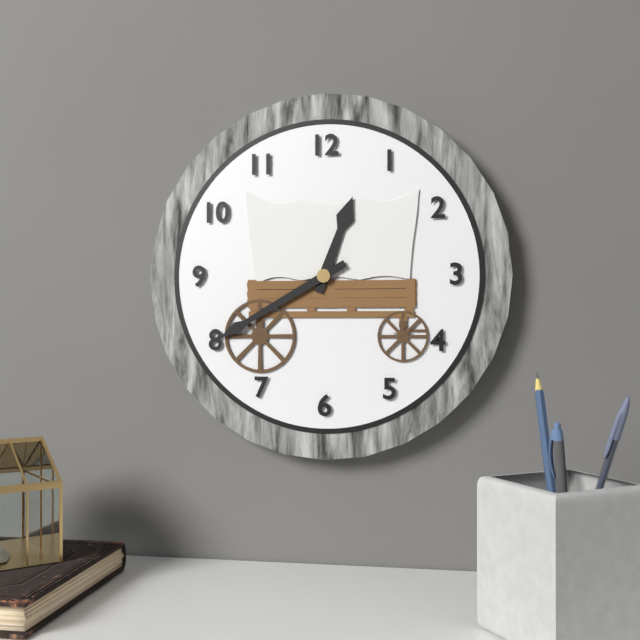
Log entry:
**12:40**
